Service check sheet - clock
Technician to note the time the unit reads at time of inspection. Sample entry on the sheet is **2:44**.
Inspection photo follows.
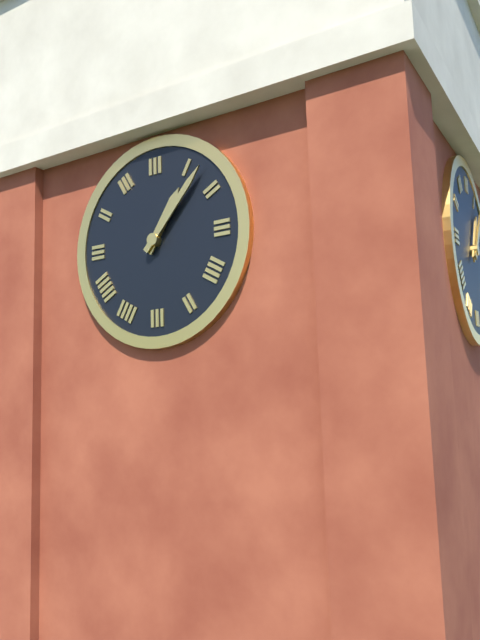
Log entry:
**1:07**
